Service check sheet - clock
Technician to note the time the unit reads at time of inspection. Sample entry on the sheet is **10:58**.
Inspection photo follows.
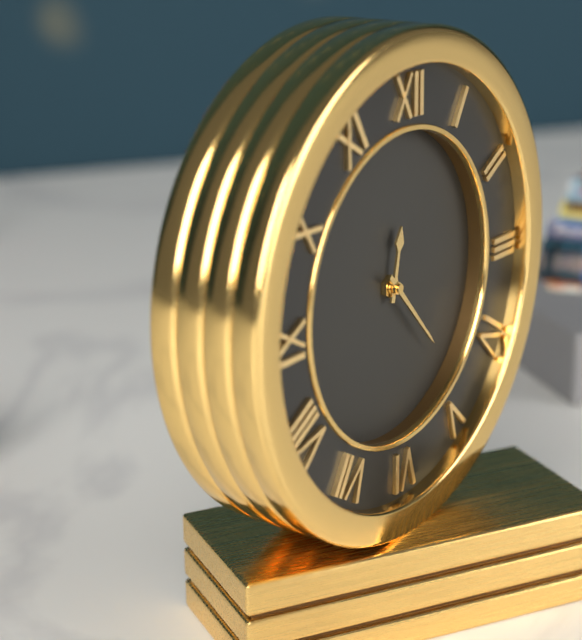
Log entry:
**12:23**
